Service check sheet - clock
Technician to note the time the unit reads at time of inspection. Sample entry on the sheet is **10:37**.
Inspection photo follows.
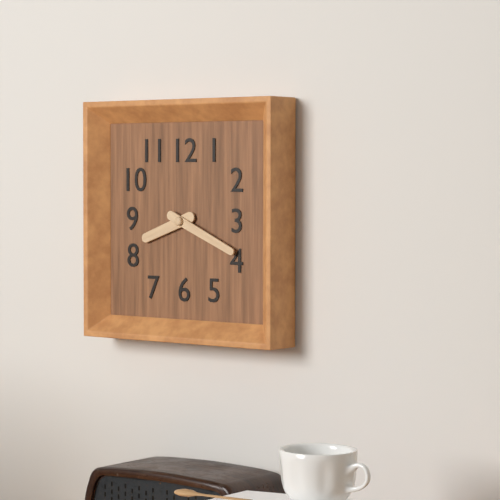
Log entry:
**8:19**
